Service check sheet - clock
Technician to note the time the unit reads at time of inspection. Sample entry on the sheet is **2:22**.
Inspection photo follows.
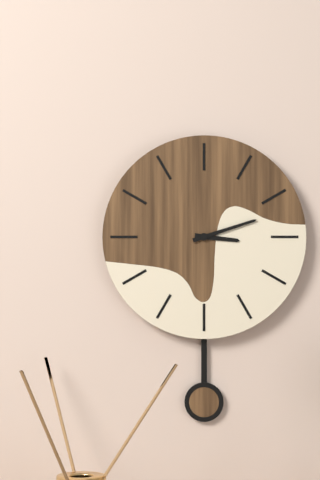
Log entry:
**3:12**
